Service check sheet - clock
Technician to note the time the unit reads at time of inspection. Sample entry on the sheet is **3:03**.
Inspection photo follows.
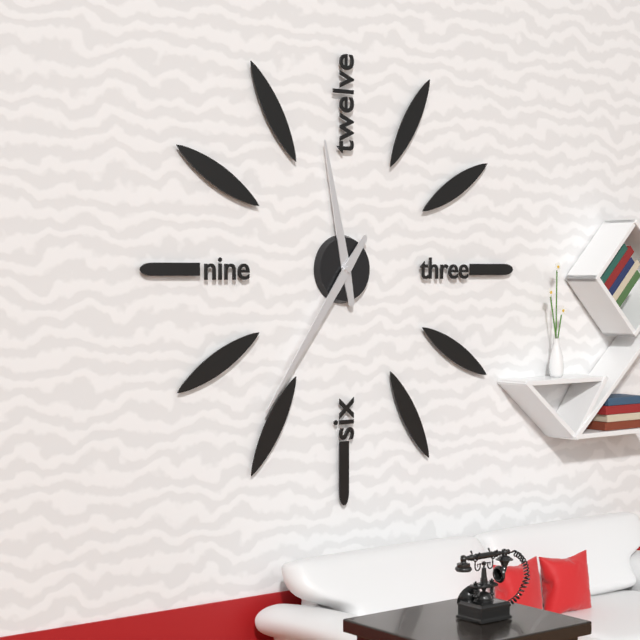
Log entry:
**11:36**
